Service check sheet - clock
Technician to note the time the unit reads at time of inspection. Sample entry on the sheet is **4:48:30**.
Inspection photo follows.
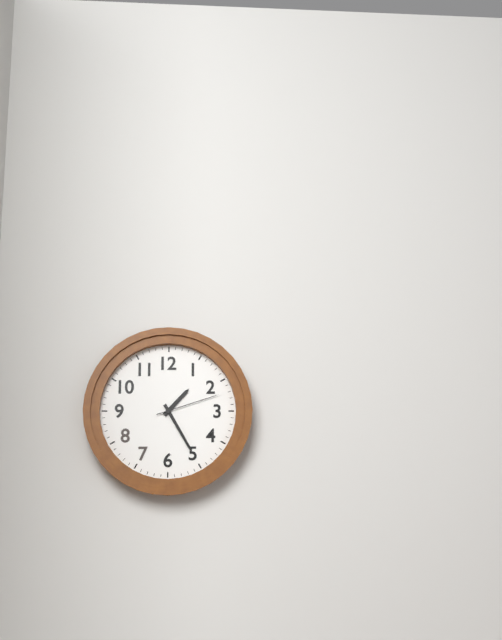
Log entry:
**1:25:12**
